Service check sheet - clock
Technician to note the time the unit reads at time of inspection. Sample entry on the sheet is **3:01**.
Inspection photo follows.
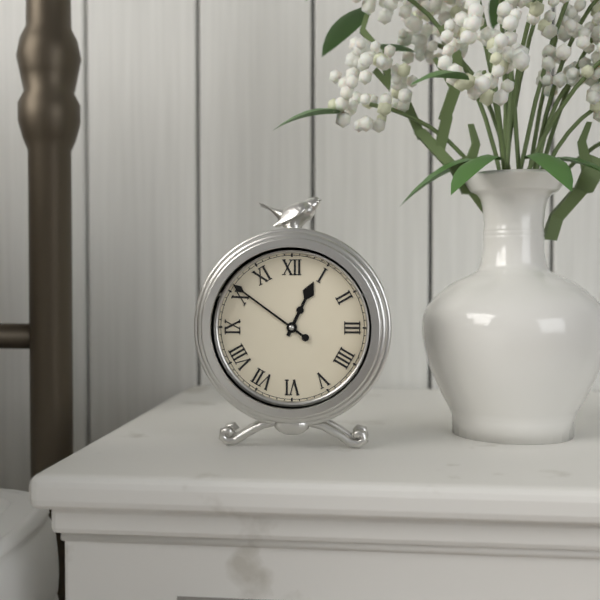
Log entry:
**12:51**
